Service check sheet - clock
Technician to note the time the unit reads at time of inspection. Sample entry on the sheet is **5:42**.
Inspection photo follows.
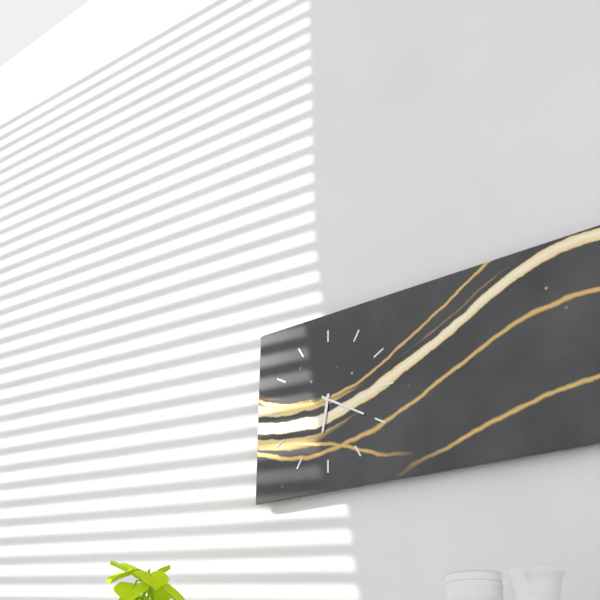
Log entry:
**6:20**
